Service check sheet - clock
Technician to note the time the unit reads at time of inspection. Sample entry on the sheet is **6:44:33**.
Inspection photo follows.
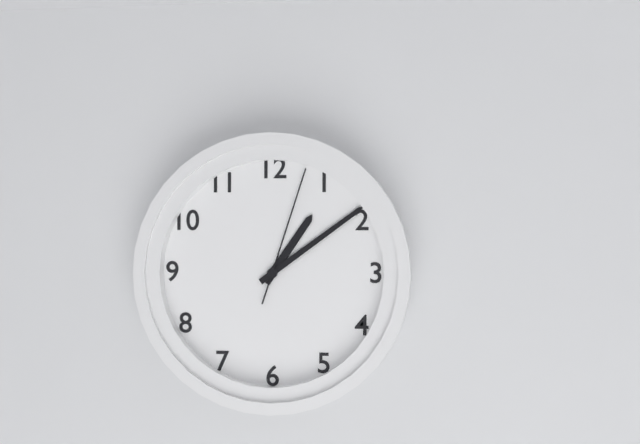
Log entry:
**1:09:03**
